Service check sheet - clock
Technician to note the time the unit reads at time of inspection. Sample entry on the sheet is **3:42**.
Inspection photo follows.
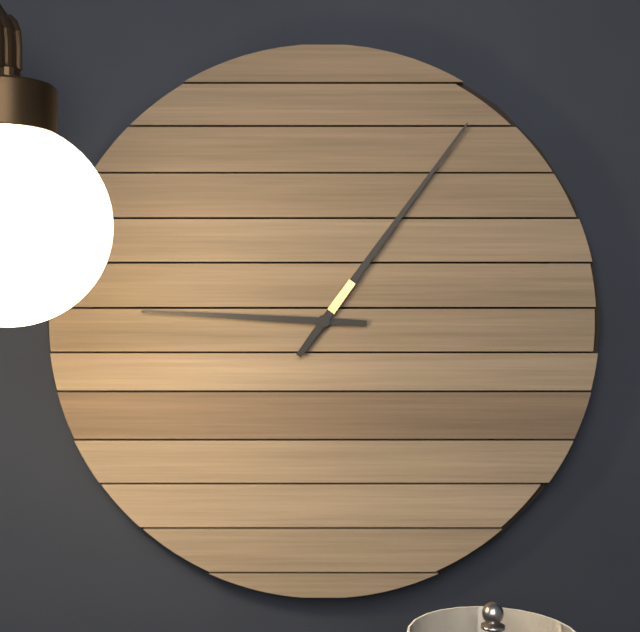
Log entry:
**9:06**
